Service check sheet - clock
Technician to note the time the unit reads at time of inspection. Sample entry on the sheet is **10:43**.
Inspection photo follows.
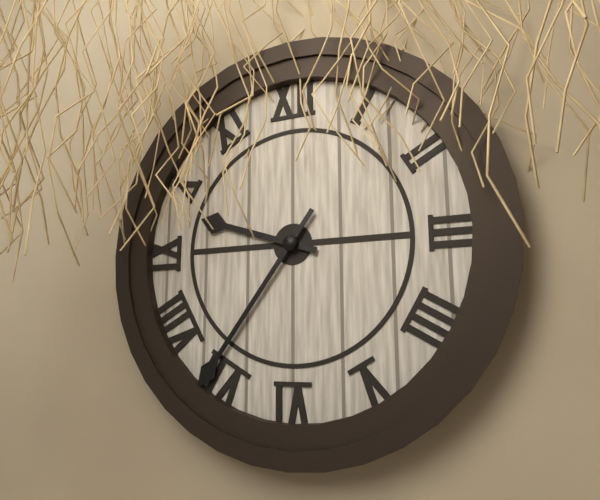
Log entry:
**9:36**
